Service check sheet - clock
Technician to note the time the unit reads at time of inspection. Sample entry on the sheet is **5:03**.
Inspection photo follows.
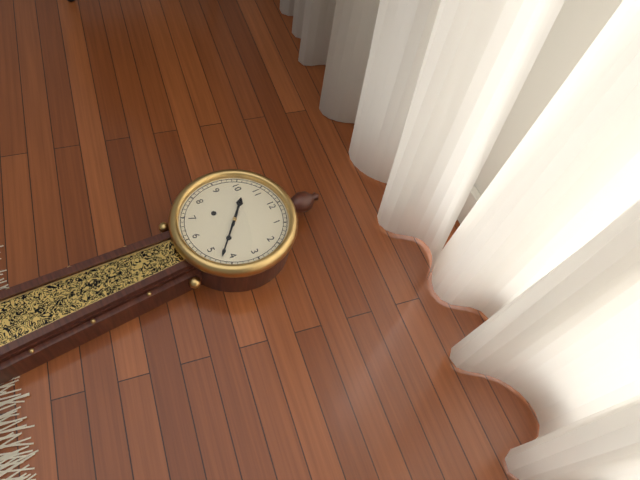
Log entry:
**10:22**
